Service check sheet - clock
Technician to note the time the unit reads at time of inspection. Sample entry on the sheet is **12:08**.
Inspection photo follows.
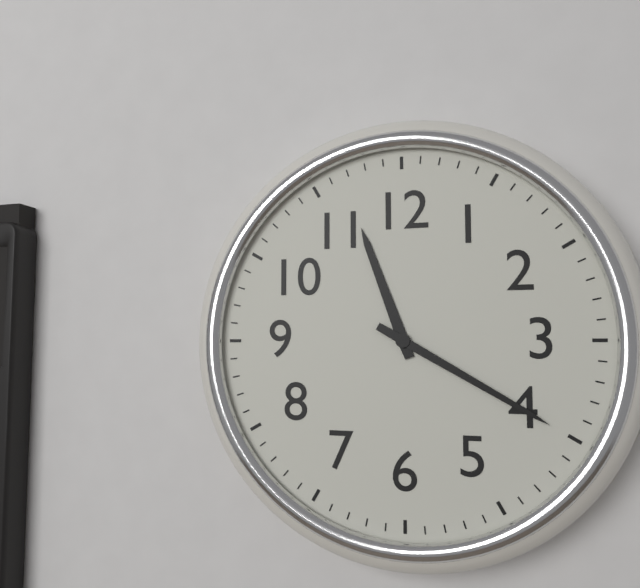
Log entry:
**11:20**
